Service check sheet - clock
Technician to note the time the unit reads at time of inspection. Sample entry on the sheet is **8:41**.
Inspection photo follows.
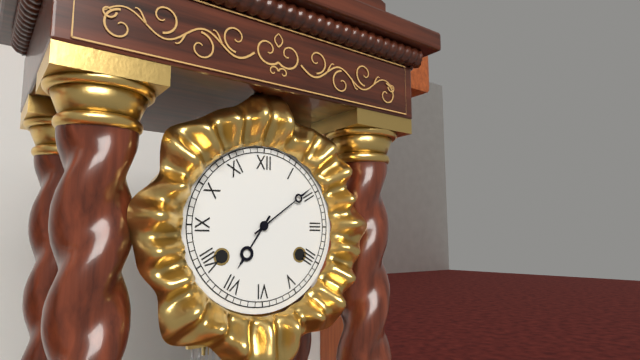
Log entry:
**7:09**
